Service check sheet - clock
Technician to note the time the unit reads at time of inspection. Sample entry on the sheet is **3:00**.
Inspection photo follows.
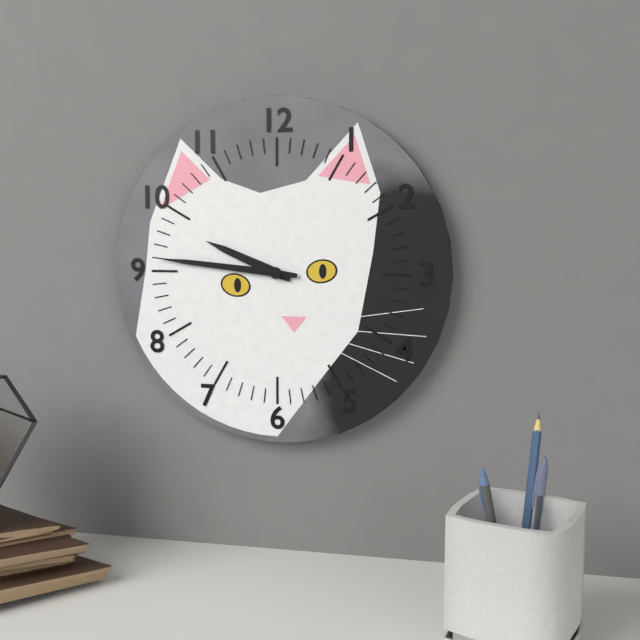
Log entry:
**9:46**
